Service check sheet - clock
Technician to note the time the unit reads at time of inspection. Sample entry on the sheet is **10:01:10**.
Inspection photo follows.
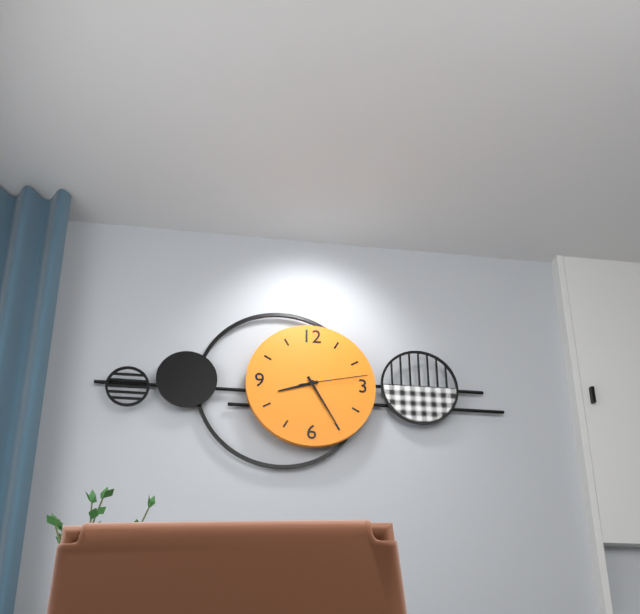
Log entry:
**8:25:13**
